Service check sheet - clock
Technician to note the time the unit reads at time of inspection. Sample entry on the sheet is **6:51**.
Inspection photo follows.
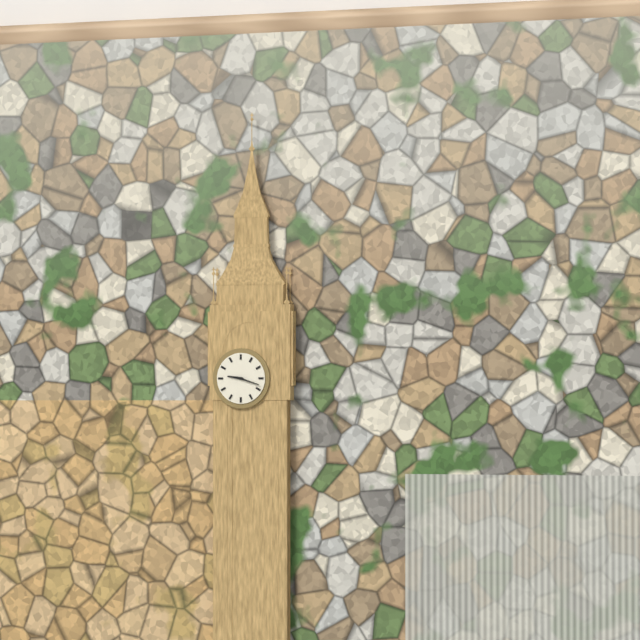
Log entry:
**9:18**
